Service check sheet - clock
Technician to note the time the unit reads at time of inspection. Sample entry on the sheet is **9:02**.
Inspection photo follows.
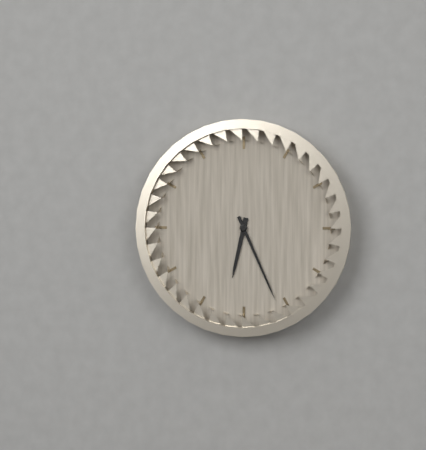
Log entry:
**6:26**
